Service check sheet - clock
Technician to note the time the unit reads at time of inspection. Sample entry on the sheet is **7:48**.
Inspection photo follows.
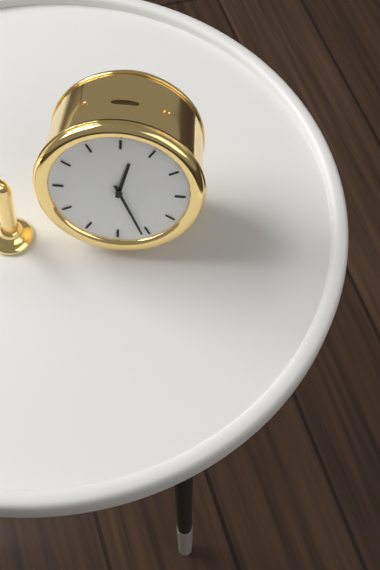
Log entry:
**12:26**
